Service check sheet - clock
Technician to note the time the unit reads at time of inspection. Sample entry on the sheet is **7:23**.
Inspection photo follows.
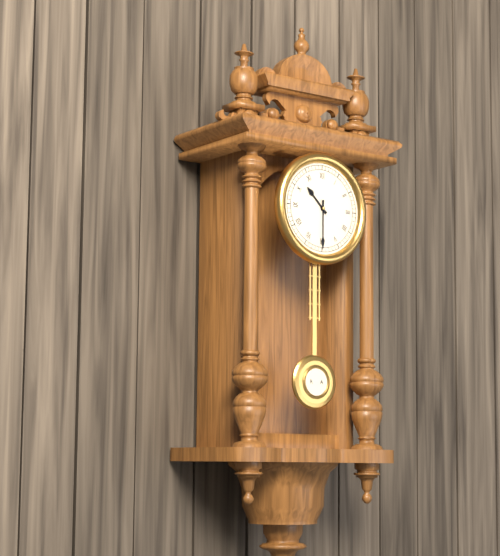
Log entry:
**10:30**
